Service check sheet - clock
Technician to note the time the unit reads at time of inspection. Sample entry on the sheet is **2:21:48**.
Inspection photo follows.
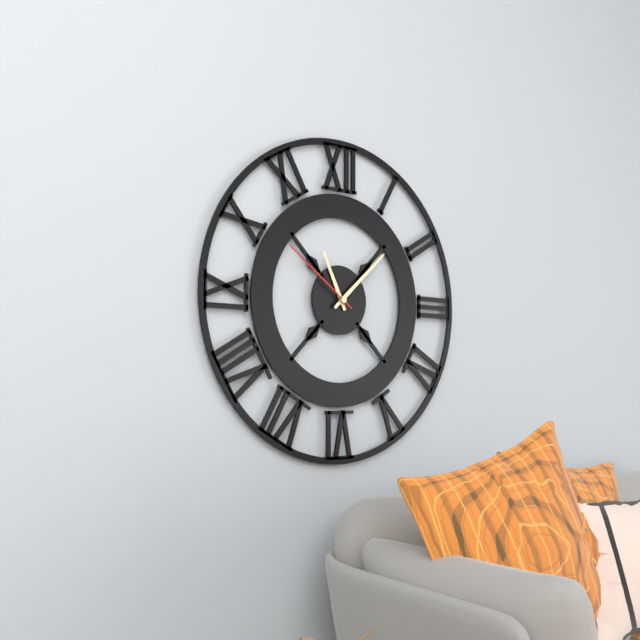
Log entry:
**11:08:51**
